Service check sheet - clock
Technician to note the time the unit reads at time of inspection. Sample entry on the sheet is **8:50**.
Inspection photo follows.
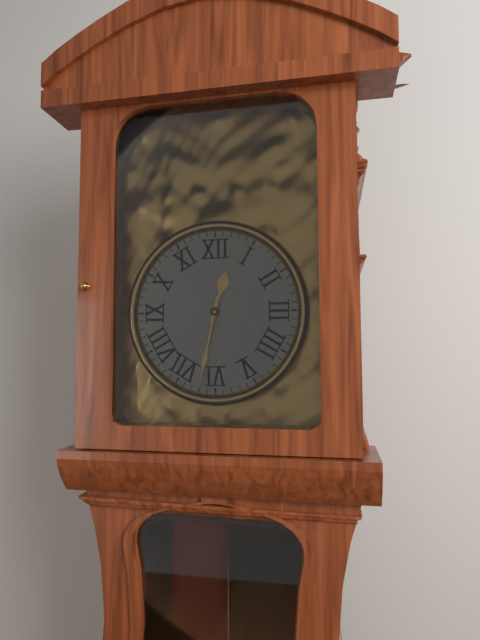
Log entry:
**12:32**
